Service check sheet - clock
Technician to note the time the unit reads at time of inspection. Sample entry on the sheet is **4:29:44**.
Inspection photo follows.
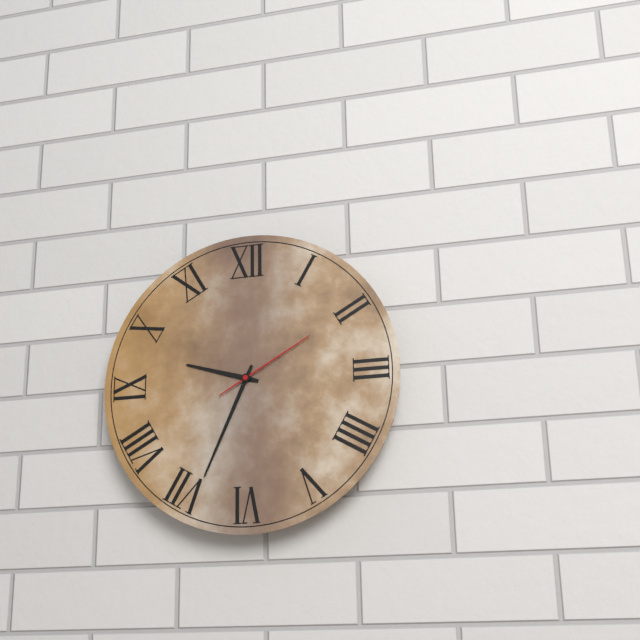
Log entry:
**9:34:10**
